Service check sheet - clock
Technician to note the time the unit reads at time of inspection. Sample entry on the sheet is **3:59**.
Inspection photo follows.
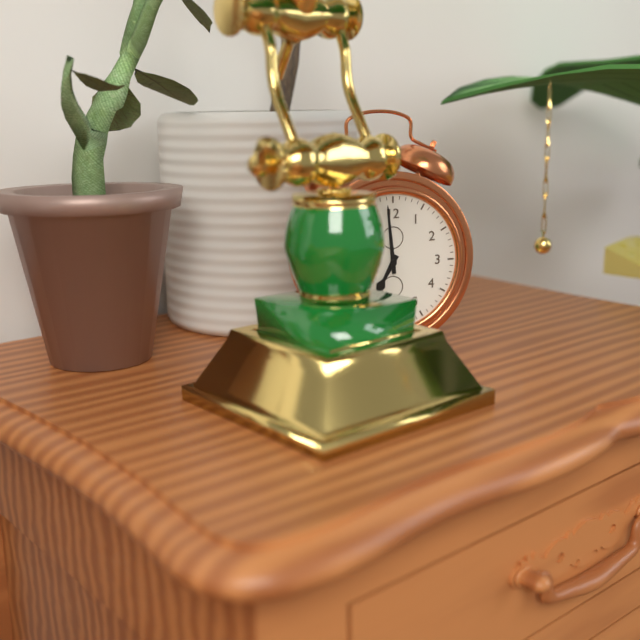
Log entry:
**6:59**
